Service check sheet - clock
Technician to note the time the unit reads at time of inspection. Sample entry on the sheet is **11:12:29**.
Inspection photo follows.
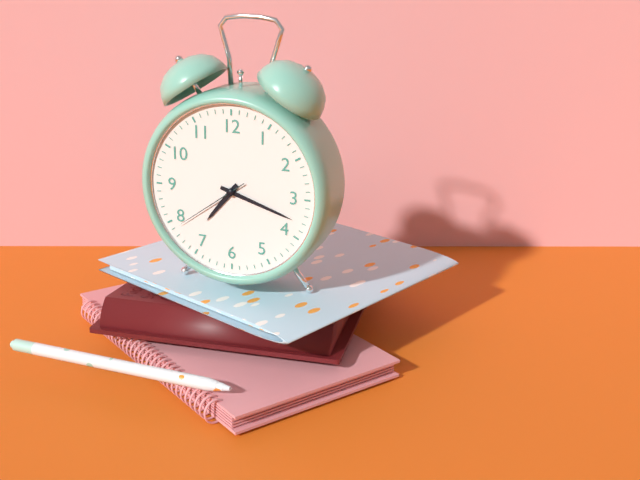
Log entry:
**7:18:39**
